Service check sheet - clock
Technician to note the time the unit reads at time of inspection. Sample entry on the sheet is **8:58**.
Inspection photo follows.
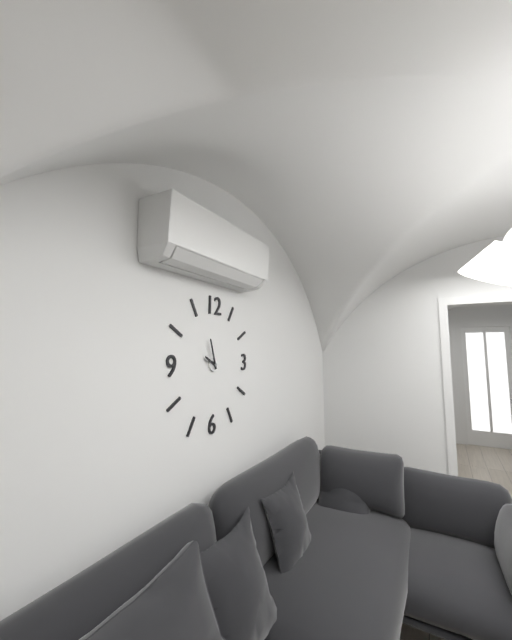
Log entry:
**9:57**
